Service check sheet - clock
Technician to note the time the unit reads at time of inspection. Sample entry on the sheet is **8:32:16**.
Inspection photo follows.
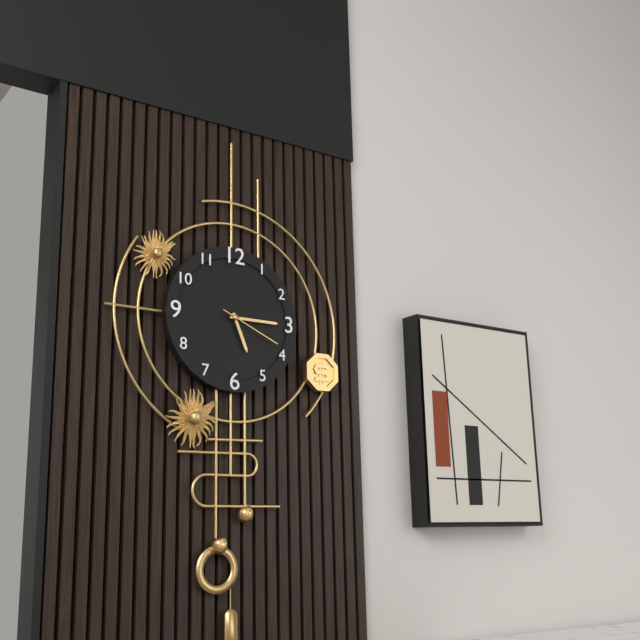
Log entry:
**5:15:19**
